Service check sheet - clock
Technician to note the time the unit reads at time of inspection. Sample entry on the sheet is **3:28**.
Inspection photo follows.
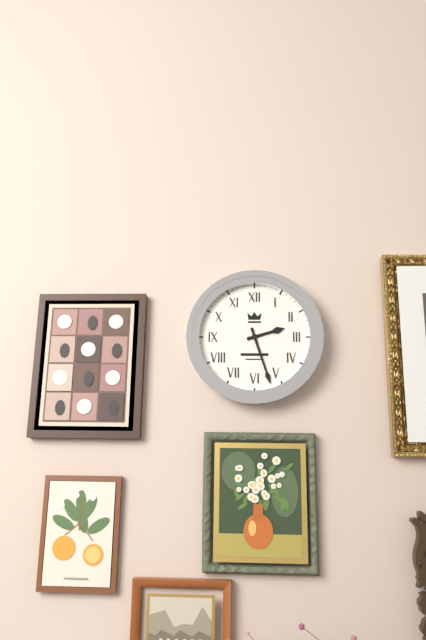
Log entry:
**2:27**
